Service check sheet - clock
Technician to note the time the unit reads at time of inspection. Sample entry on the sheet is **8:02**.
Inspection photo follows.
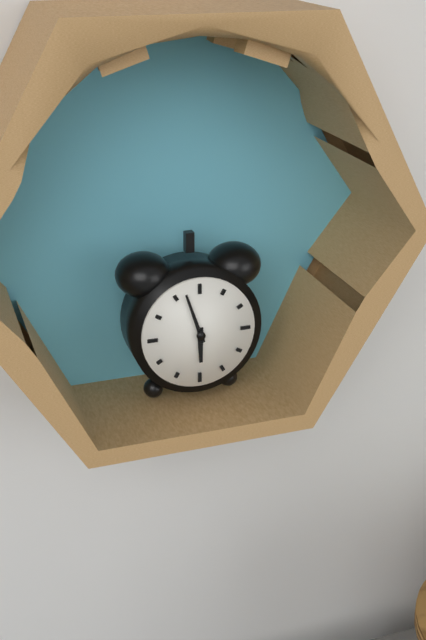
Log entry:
**5:57**
